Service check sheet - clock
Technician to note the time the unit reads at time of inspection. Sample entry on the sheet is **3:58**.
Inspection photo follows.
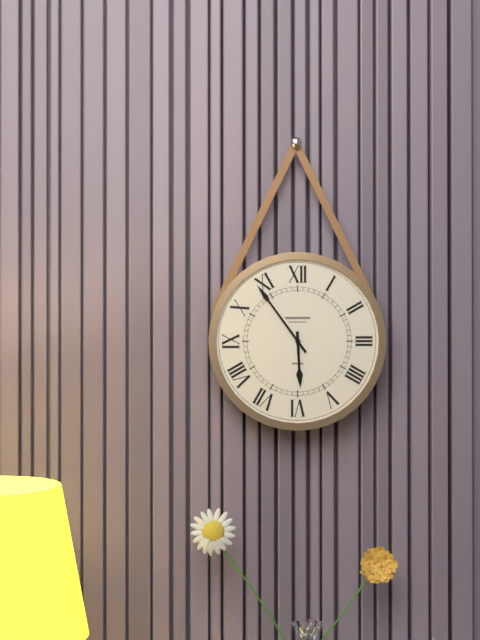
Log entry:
**5:54**
